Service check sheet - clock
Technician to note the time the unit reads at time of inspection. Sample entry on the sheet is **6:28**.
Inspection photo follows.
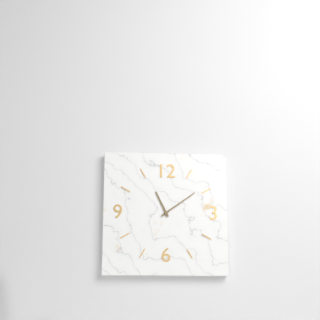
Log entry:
**11:09**
